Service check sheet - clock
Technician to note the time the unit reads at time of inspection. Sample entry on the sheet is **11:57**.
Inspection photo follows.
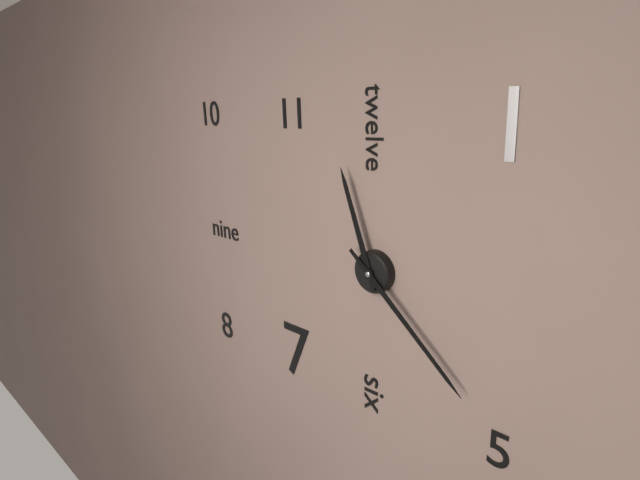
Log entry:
**11:22**
